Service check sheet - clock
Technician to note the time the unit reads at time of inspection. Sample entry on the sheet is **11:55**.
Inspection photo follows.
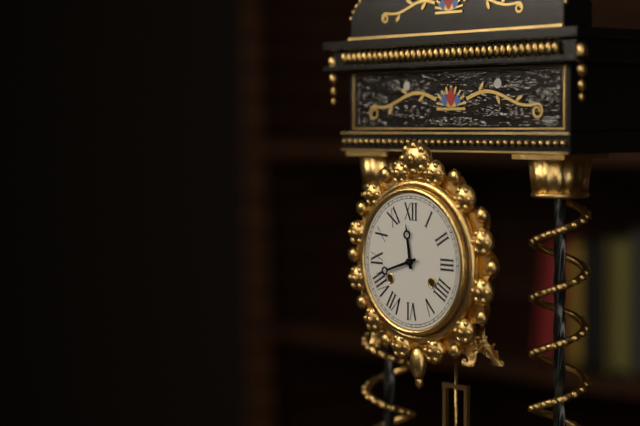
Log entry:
**11:42**
